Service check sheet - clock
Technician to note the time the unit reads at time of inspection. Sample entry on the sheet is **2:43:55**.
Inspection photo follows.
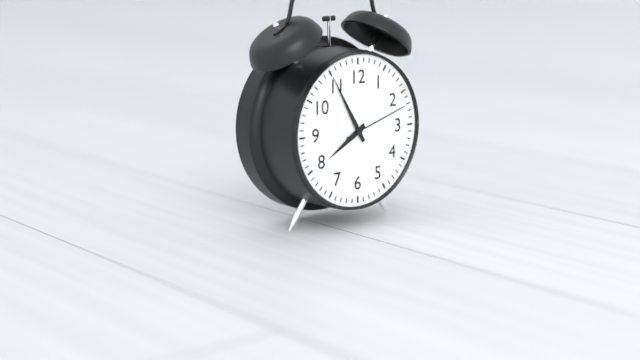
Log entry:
**7:55:12**
